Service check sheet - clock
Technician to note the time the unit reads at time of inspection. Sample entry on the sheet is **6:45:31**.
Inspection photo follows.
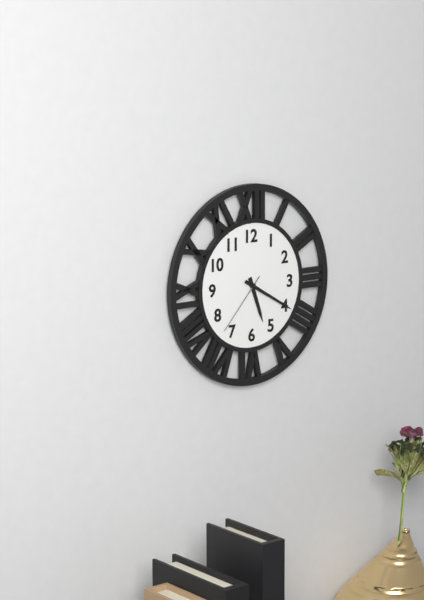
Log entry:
**5:20:37**
